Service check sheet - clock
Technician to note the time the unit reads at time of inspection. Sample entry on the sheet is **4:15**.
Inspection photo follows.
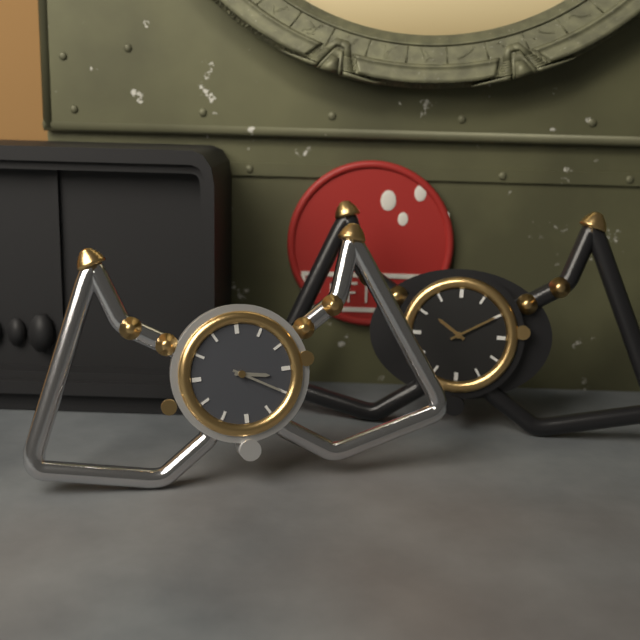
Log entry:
**3:20**
